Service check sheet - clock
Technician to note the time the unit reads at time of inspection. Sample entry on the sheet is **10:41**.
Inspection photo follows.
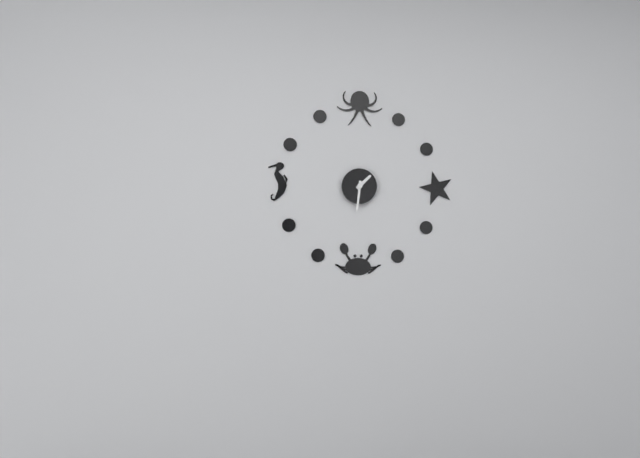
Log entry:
**1:31**
